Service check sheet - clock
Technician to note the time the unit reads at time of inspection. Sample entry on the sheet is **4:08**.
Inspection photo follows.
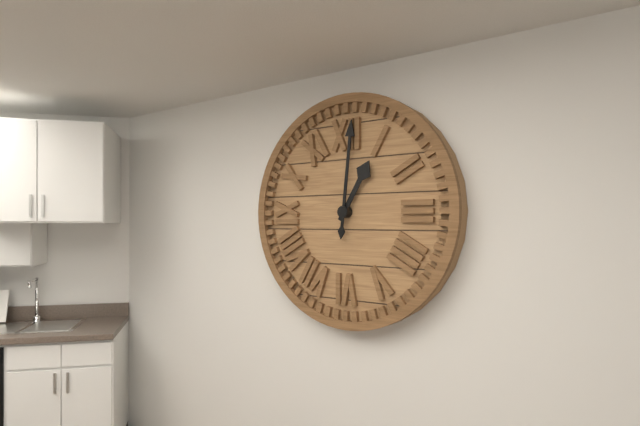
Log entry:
**1:01**
